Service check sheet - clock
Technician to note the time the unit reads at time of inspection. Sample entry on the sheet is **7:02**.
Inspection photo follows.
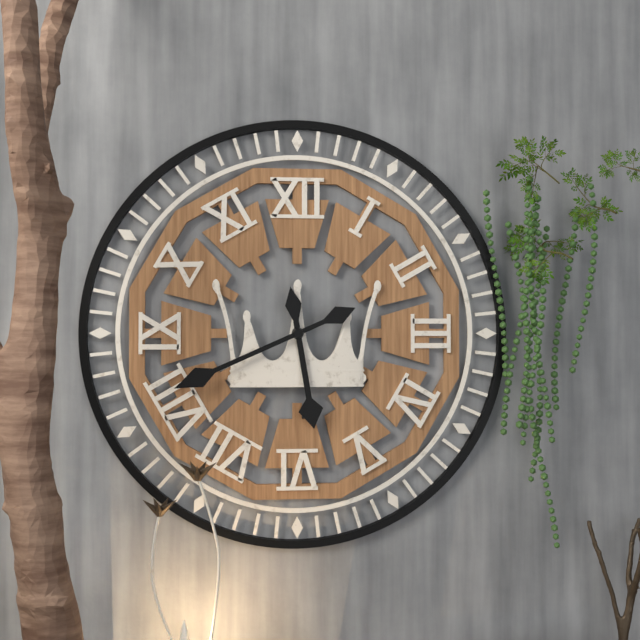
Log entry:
**5:41**
